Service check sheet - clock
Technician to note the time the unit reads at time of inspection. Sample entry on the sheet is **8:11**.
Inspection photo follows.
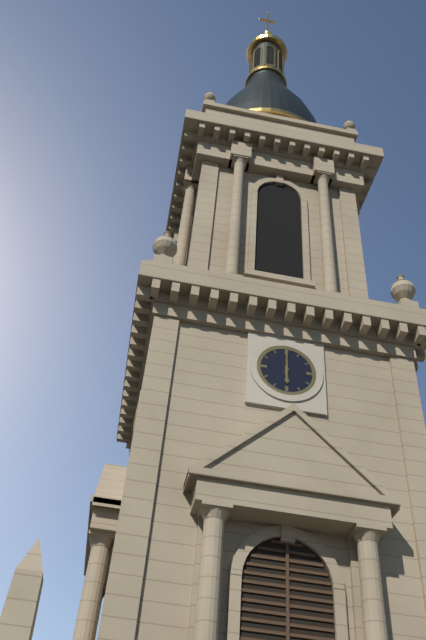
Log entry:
**6:00**
